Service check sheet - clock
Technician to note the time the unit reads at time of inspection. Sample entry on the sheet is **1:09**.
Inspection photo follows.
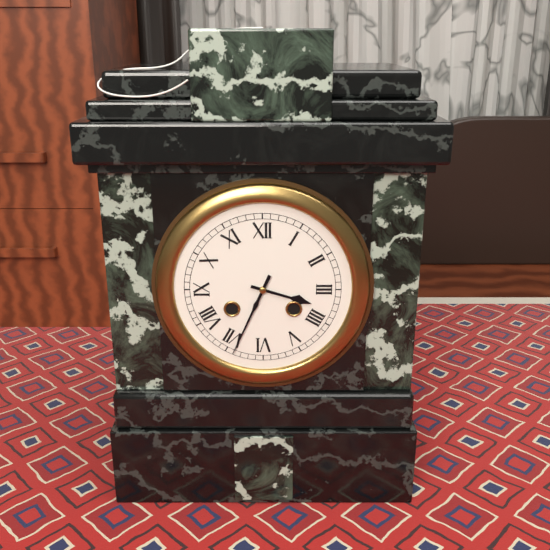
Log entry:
**3:34**
